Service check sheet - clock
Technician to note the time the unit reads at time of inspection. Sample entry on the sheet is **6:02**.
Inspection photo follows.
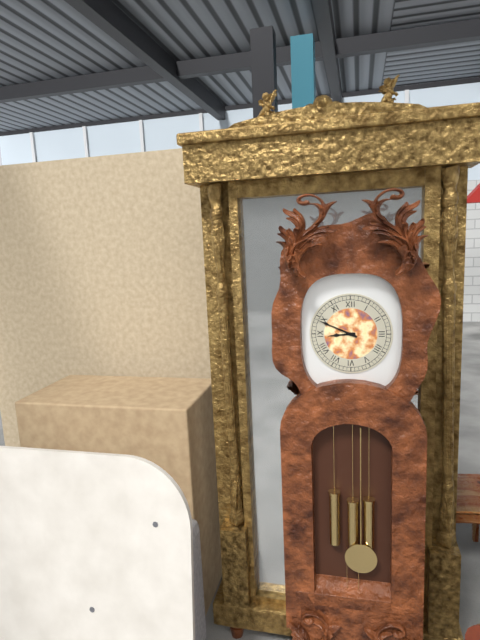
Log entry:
**8:49**
